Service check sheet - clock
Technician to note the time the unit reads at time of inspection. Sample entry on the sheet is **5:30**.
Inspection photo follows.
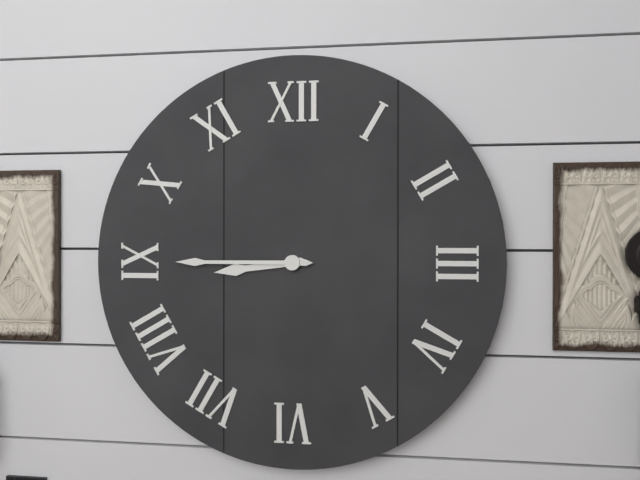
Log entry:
**8:45**
